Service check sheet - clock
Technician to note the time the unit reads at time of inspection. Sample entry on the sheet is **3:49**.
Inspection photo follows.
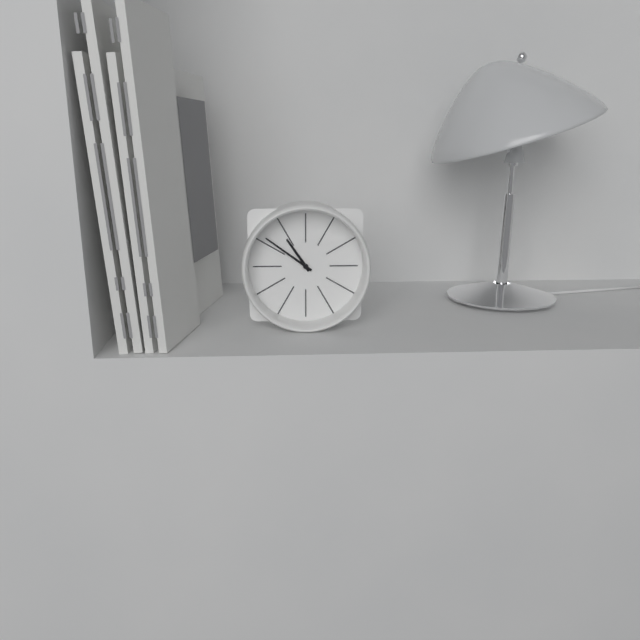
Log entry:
**10:51**
